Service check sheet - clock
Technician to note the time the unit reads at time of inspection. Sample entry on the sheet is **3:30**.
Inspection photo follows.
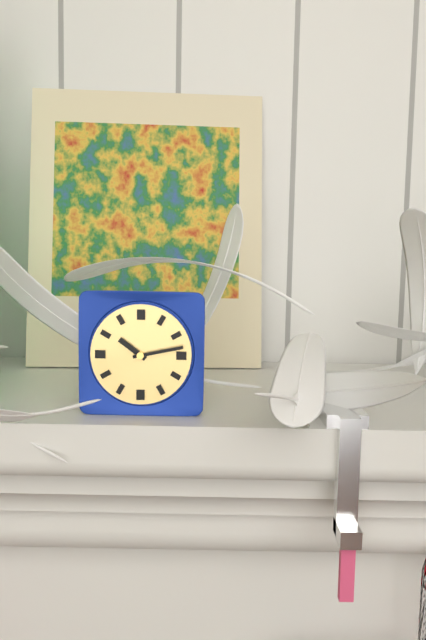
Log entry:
**10:13**
